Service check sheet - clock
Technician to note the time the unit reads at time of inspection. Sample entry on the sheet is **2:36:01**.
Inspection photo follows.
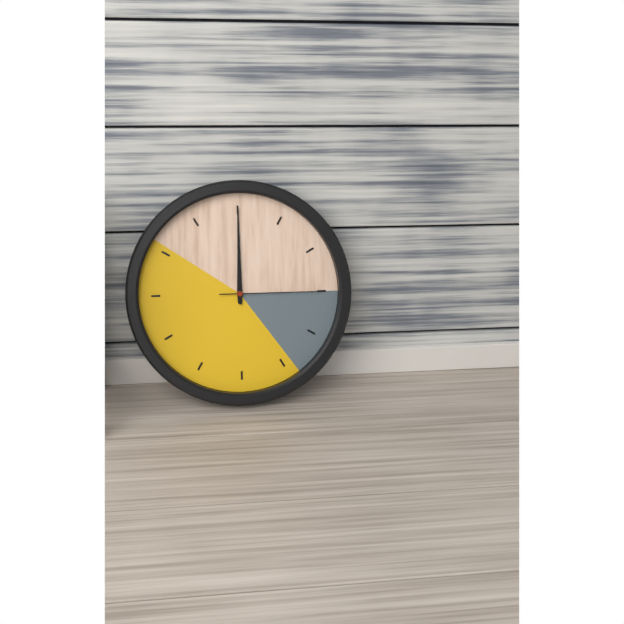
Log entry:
**12:00:15**
